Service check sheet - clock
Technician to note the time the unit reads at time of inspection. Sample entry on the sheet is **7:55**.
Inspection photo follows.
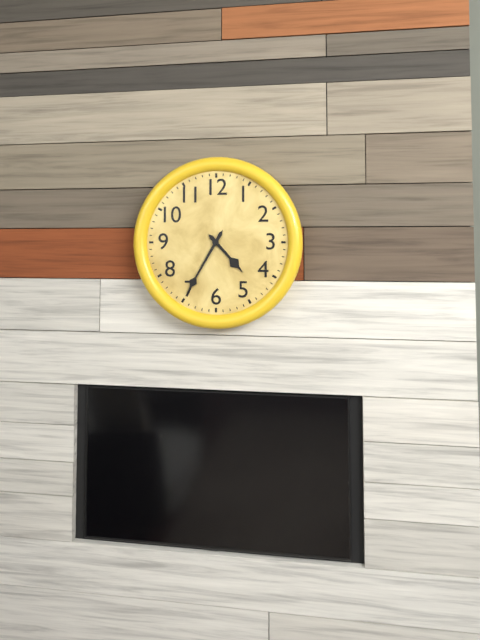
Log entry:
**4:35**
